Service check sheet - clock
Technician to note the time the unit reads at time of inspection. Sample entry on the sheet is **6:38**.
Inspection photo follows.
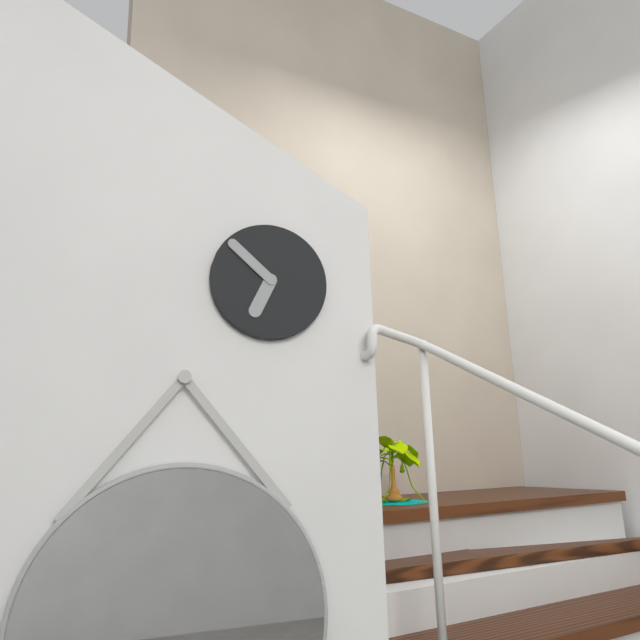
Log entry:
**6:52**
